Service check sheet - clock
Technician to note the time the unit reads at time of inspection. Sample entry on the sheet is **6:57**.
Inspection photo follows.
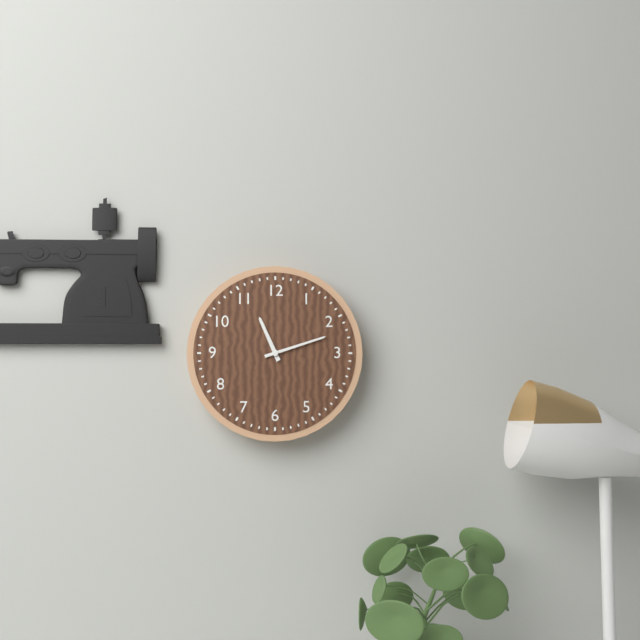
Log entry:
**11:12**
